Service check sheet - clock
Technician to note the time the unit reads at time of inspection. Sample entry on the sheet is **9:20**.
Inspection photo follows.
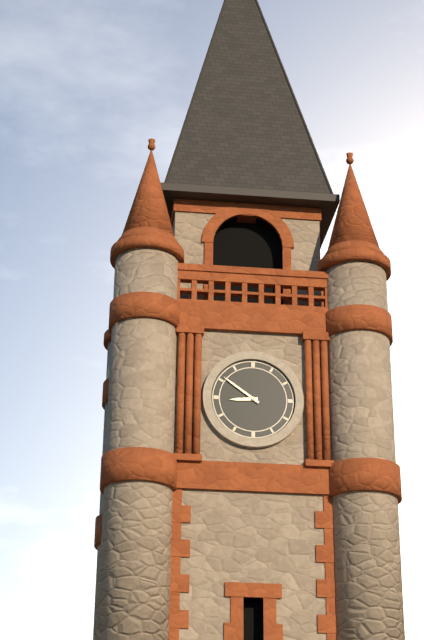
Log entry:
**8:51**
